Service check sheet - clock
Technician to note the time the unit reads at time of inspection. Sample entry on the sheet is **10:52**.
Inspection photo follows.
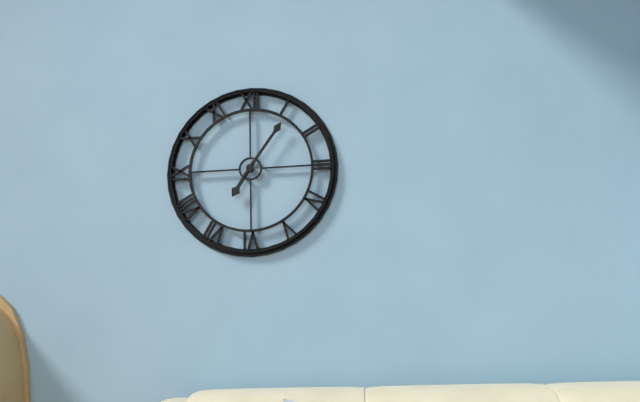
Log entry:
**7:06**
